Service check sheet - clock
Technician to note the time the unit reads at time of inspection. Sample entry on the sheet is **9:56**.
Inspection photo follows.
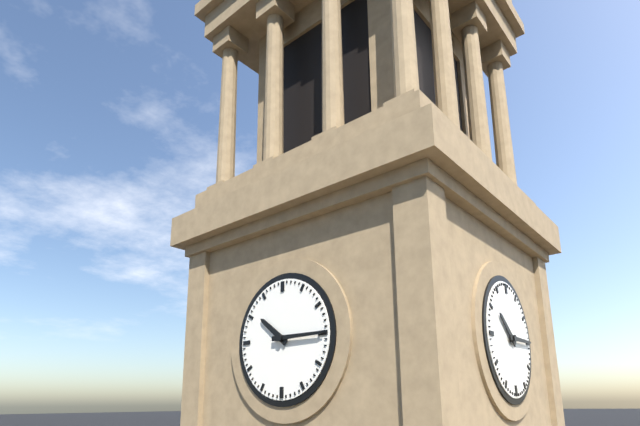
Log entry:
**10:15**
